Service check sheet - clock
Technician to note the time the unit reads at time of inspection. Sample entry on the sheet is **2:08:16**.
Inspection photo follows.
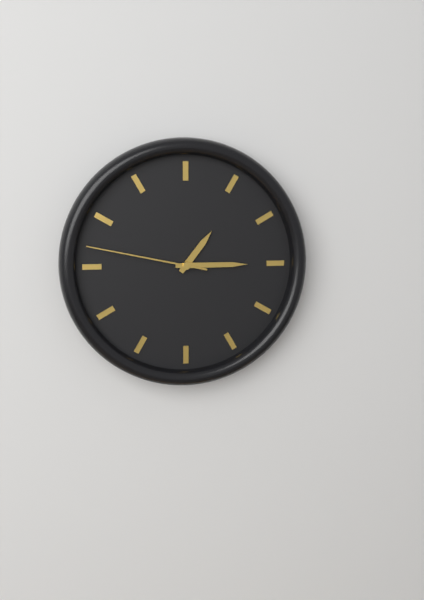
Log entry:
**1:15:47**
